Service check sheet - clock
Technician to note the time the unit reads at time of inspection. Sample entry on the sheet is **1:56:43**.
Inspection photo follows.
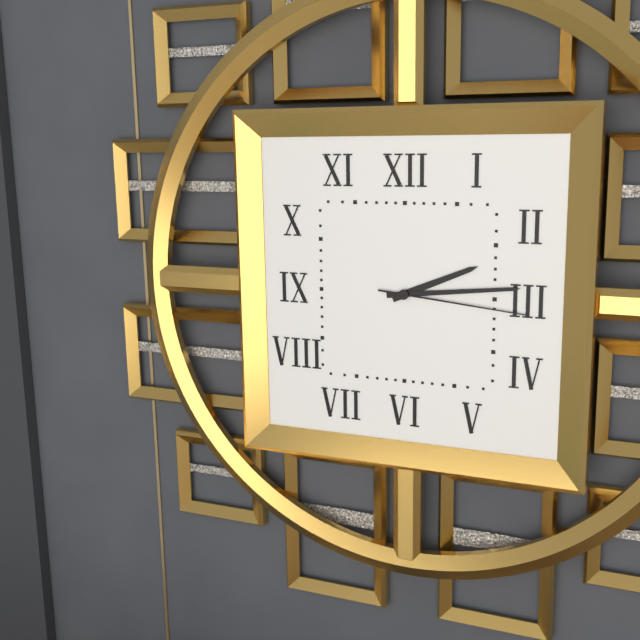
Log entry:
**2:14:16**
